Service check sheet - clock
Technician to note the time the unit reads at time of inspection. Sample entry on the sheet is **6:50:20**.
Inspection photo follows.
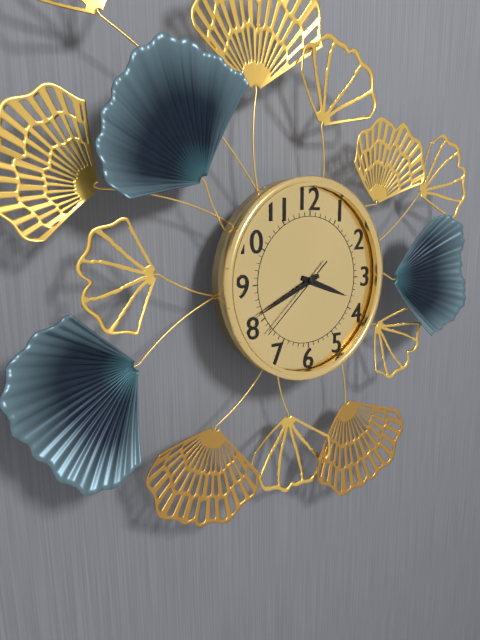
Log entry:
**3:41:38**
